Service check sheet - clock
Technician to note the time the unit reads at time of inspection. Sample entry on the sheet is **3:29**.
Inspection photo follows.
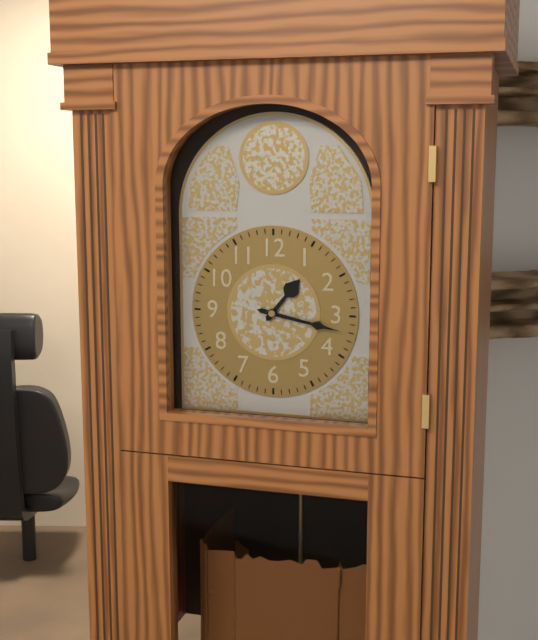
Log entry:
**1:17**
